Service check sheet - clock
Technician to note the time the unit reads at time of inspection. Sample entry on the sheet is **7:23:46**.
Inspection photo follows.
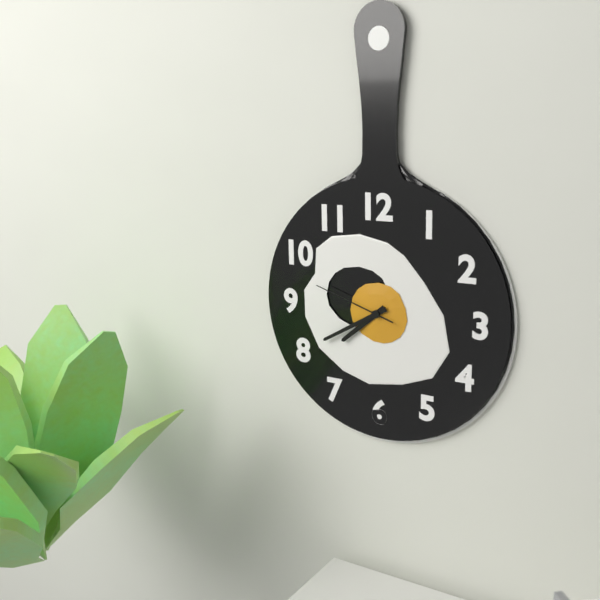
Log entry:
**7:40:48**
